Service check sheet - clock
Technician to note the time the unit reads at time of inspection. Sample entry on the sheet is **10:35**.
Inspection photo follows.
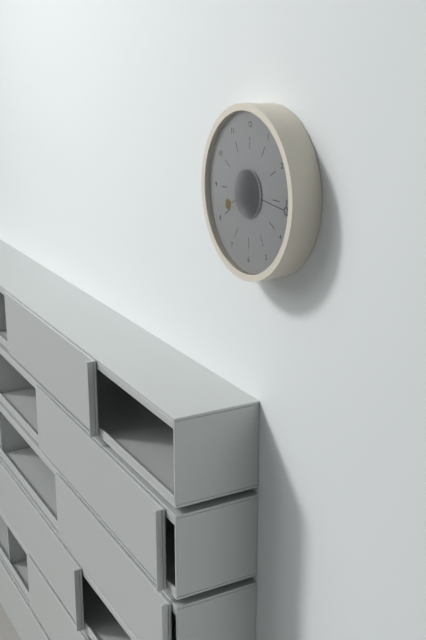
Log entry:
**8:16**
